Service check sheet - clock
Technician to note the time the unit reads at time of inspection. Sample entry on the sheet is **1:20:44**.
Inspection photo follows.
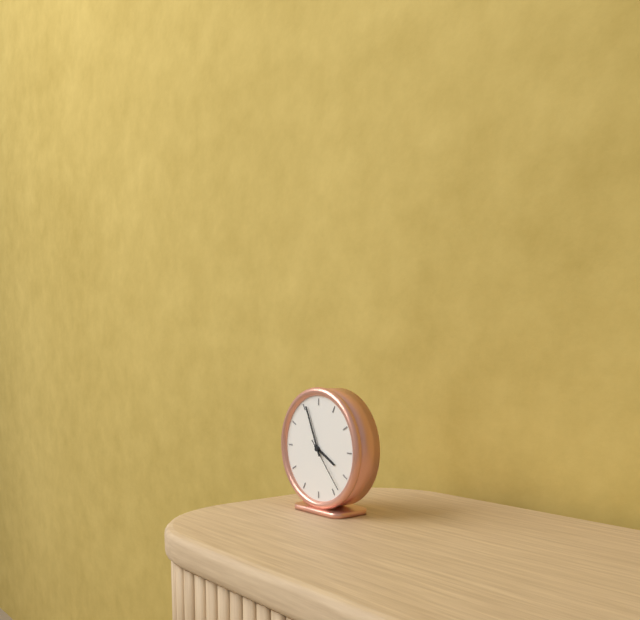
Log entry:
**3:56:23**
